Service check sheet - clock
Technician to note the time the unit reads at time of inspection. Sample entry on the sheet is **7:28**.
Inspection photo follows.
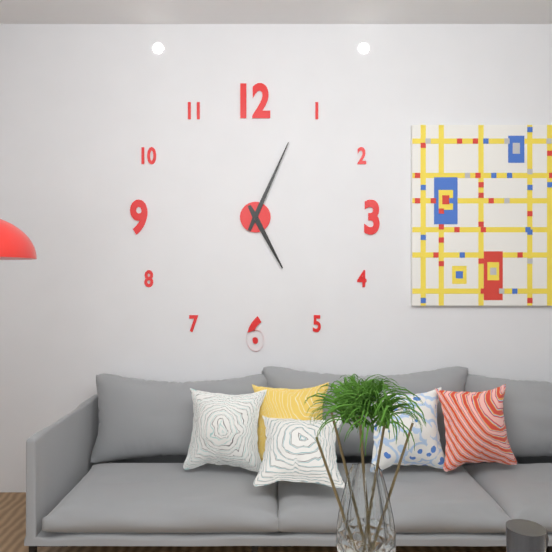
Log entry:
**5:04**
